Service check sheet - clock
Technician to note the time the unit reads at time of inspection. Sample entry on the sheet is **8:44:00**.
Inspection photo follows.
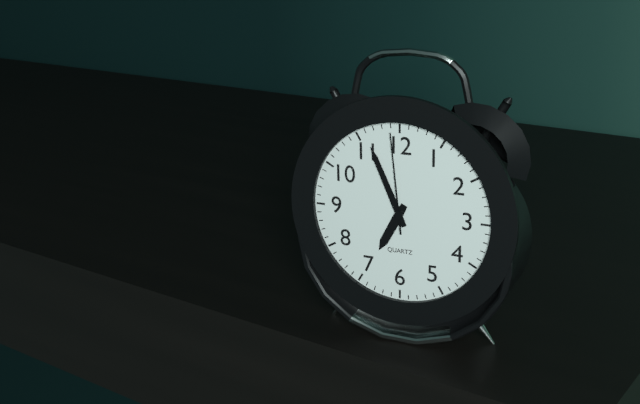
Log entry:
**6:56:59**
